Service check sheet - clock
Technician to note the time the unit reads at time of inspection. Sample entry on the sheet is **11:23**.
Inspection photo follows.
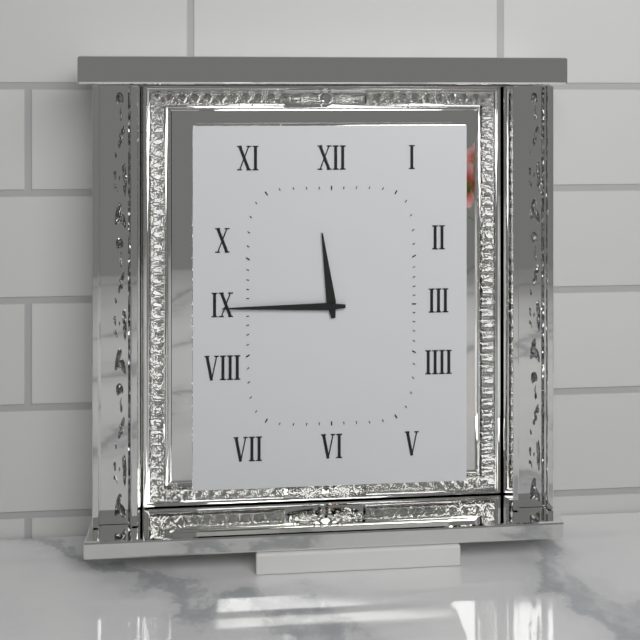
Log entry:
**11:45**
